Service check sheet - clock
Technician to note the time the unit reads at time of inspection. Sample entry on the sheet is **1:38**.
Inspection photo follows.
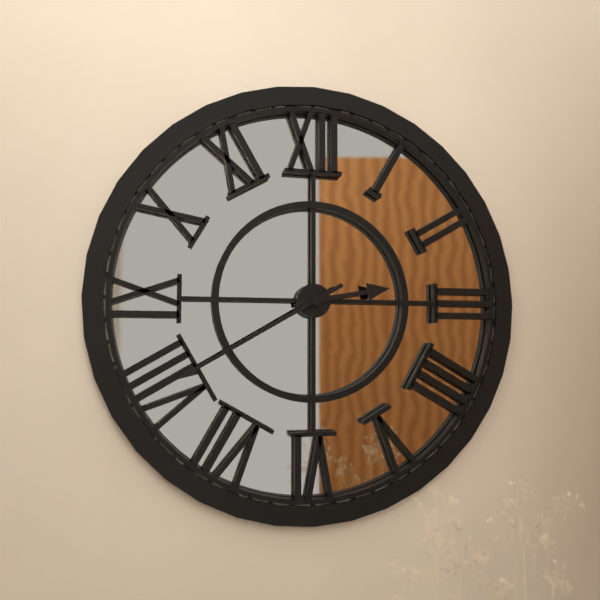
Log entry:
**2:40**
